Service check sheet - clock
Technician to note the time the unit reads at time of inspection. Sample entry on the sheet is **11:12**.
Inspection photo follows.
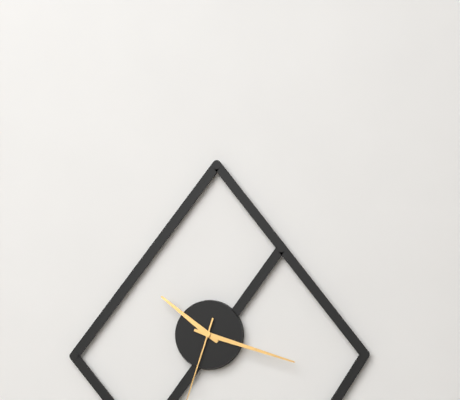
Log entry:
**10:18**
